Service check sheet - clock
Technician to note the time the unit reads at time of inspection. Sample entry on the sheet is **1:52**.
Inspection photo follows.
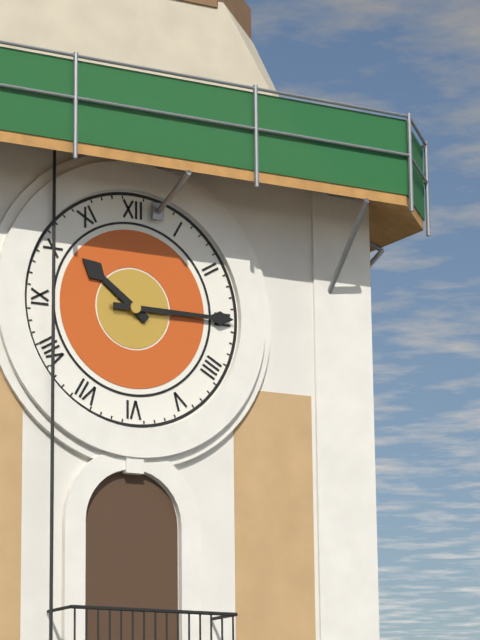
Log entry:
**10:15**
